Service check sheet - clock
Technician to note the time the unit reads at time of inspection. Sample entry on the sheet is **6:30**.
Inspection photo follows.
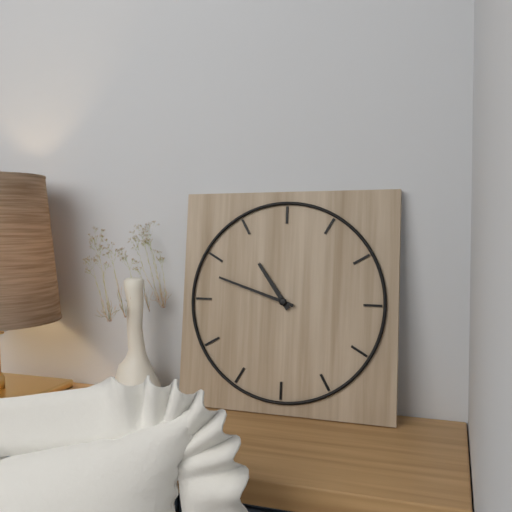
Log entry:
**10:48**
